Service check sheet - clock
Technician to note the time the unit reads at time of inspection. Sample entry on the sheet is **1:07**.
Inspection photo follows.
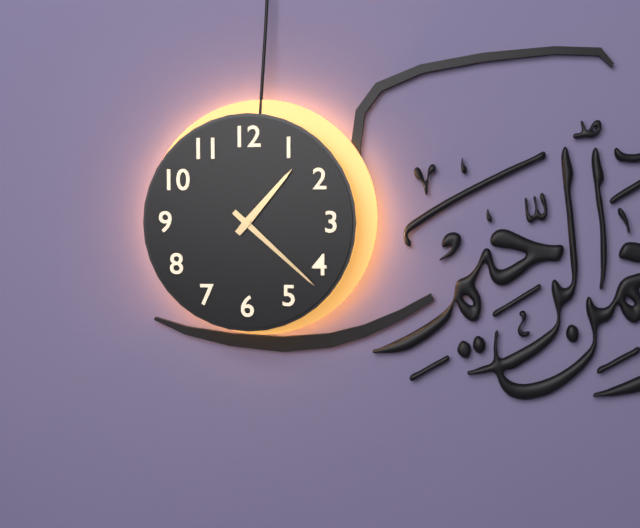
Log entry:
**1:22**
